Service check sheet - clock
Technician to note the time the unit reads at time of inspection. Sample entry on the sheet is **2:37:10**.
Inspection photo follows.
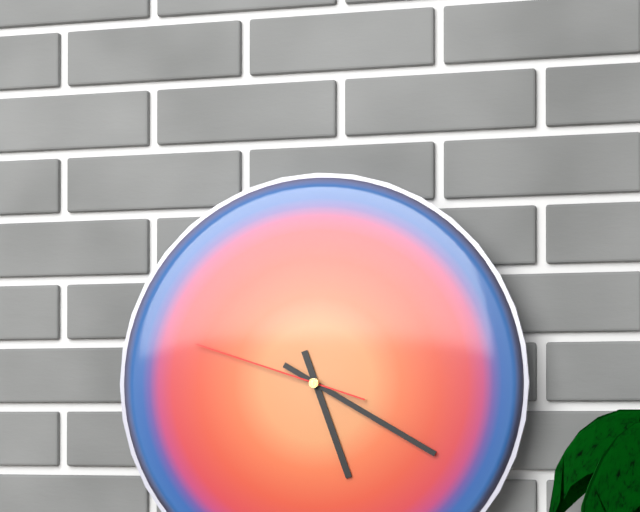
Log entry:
**5:20:48**
